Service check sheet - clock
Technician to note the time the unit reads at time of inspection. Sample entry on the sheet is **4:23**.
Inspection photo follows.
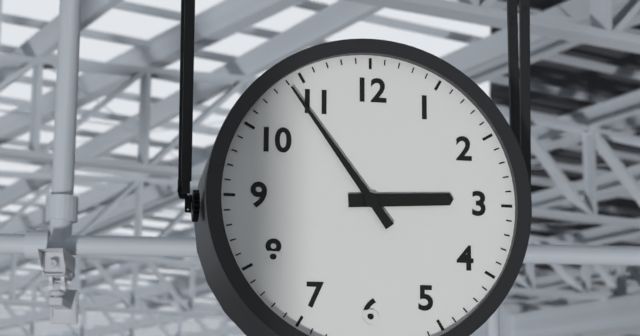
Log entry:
**2:54**
